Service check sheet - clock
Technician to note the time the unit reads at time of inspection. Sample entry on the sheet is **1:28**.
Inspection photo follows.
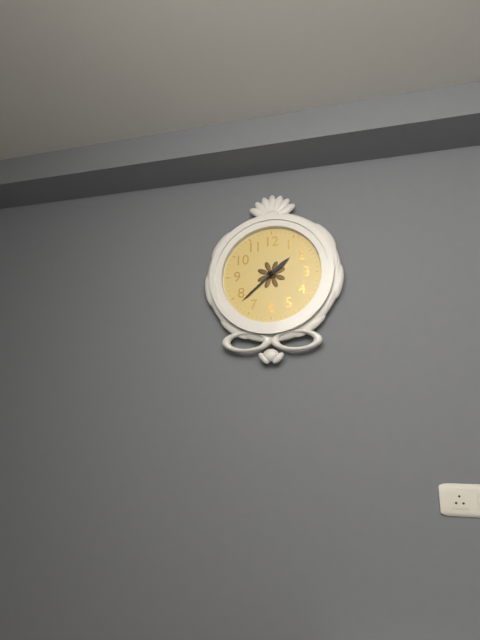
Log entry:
**1:38**
